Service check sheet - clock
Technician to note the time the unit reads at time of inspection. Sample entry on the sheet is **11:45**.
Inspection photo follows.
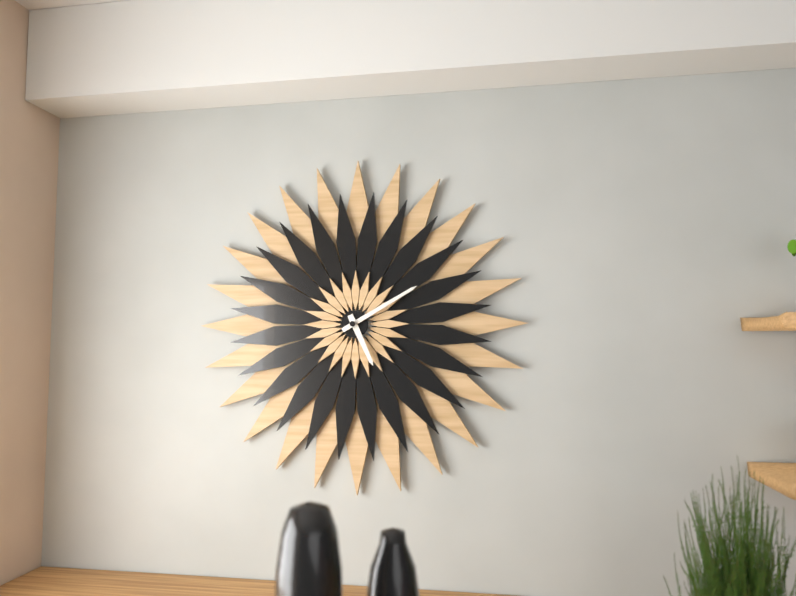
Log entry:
**5:10**
